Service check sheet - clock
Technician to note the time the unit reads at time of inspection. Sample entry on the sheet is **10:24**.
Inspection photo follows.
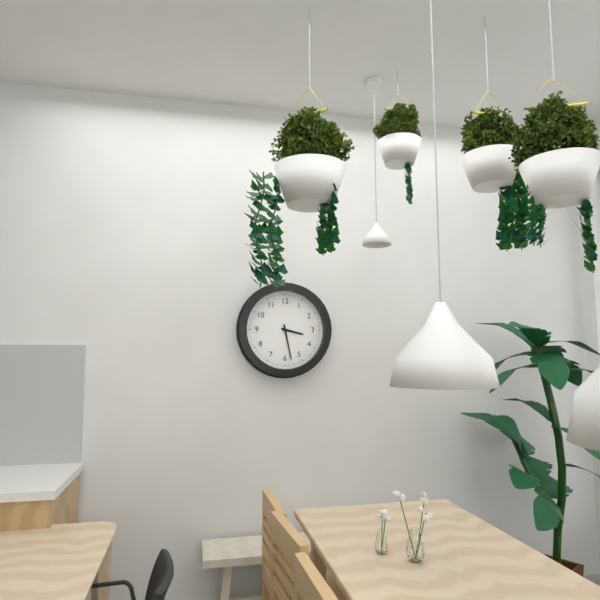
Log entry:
**3:28**
